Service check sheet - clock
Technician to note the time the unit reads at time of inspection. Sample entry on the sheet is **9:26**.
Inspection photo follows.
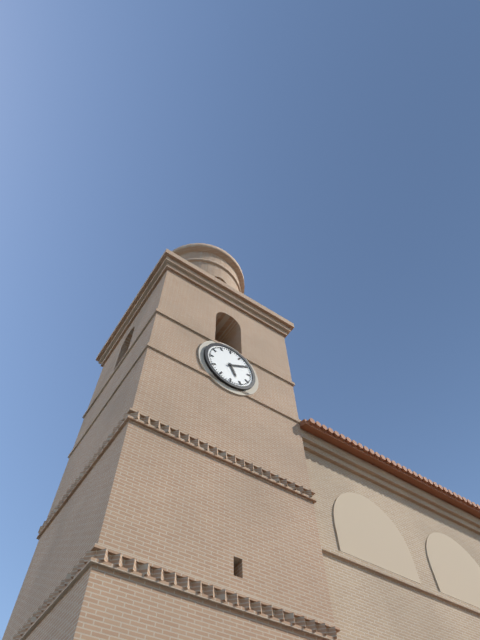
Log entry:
**5:10**
